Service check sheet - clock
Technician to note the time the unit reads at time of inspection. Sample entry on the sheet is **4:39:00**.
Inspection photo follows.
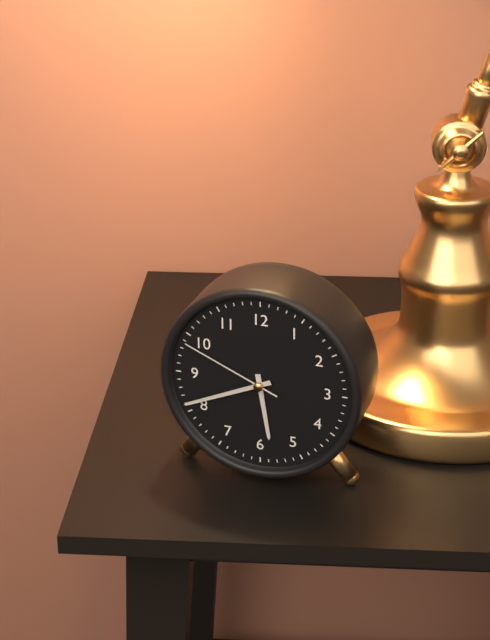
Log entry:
**5:41:49**
